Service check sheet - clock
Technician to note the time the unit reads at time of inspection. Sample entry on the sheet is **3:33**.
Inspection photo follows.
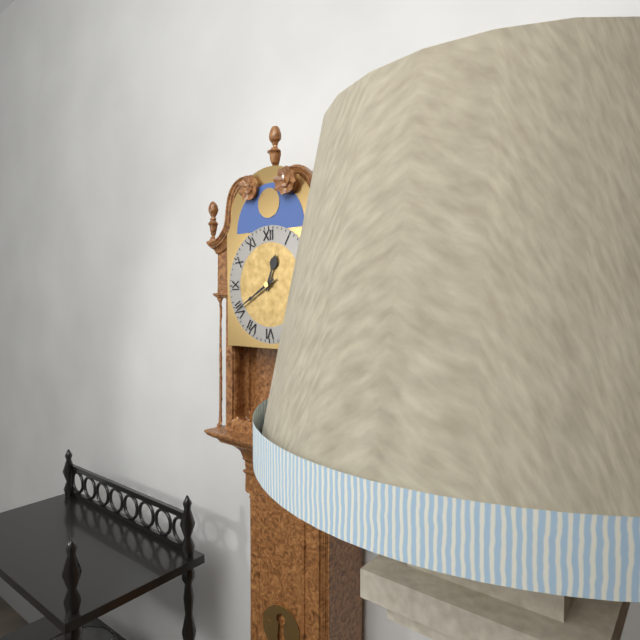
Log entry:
**12:40**
